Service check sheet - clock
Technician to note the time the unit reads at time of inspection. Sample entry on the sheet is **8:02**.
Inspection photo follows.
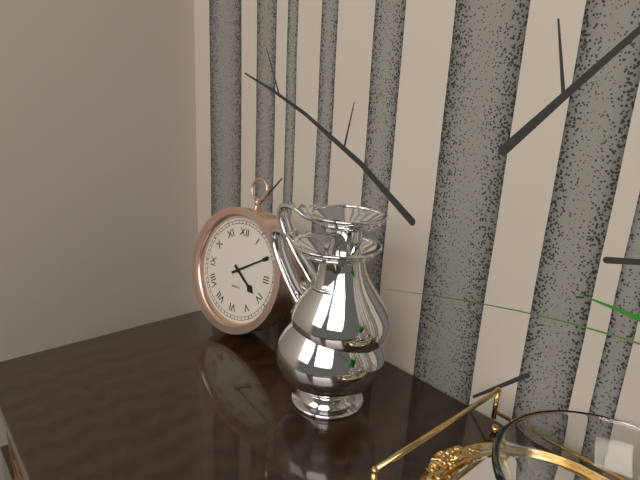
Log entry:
**4:10**
